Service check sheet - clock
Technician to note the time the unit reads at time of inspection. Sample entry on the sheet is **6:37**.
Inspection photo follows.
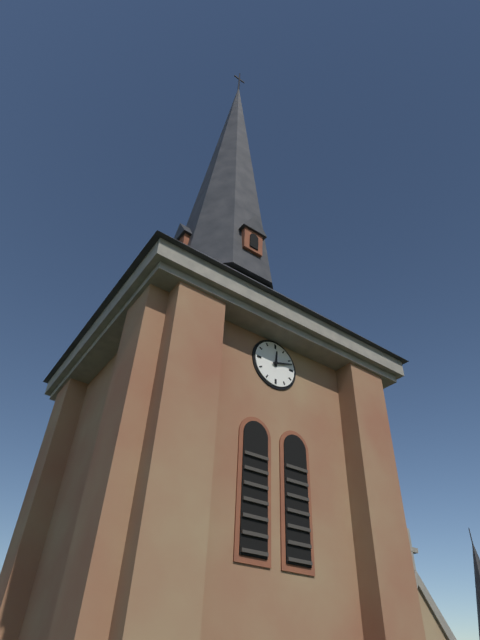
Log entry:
**12:12**
